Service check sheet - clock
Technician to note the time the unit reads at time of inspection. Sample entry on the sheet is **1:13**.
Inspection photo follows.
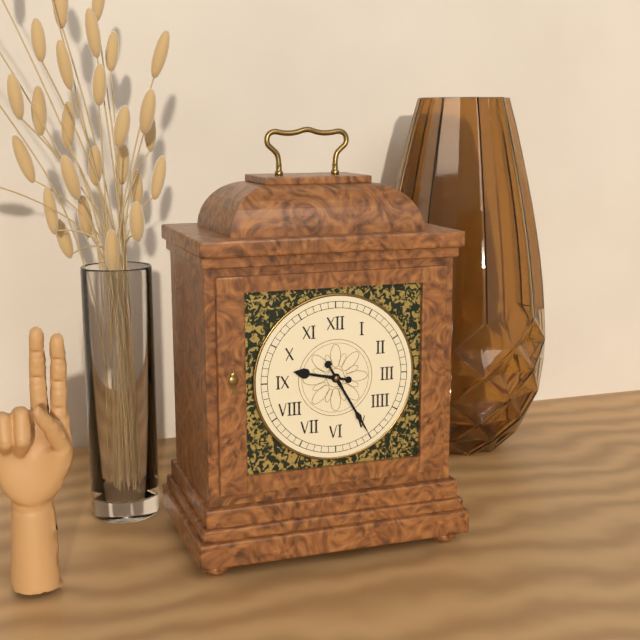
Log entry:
**9:25**
